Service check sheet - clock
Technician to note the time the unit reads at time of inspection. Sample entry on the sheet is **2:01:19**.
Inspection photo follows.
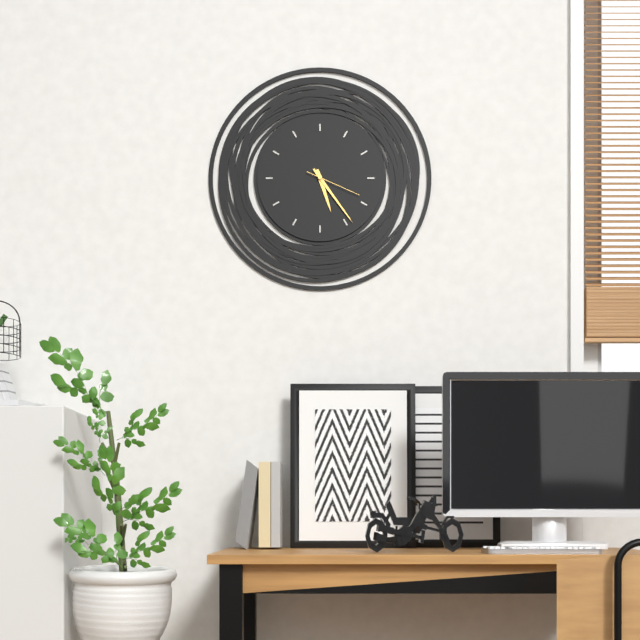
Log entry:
**5:24:19**
